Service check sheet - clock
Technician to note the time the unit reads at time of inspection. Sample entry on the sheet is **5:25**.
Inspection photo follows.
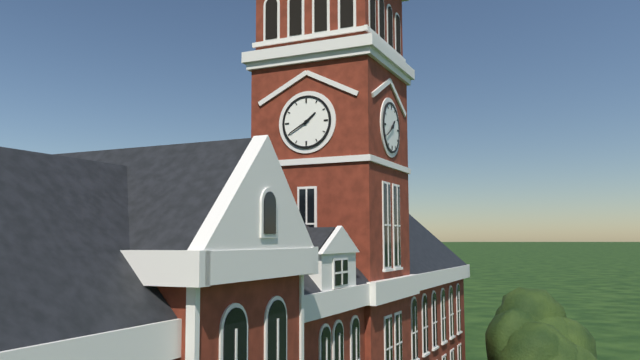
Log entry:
**1:40**
